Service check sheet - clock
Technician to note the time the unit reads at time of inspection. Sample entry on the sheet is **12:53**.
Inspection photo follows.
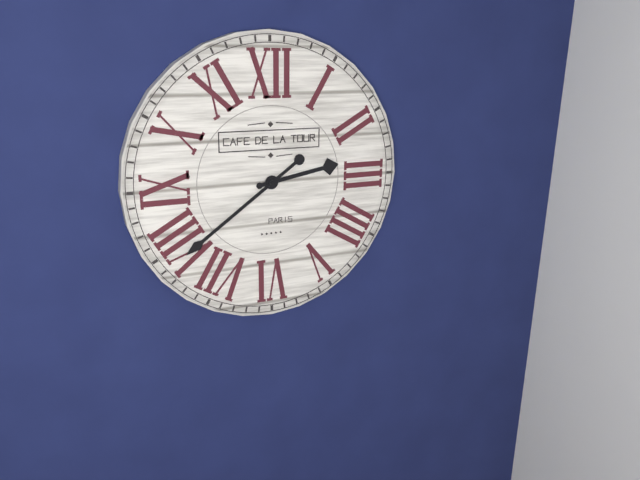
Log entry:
**2:39**
